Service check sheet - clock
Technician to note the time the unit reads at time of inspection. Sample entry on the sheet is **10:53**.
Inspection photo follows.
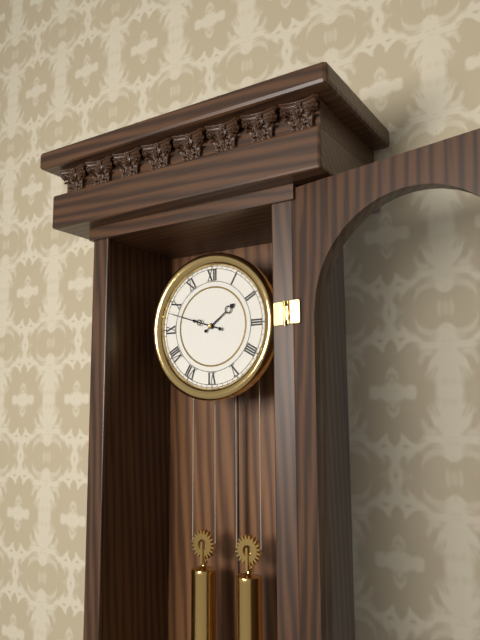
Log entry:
**1:48**
